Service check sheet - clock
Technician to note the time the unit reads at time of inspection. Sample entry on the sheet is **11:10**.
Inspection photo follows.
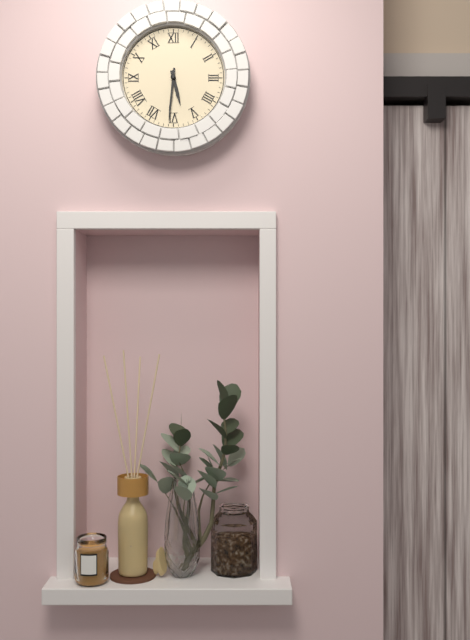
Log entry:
**5:31**
